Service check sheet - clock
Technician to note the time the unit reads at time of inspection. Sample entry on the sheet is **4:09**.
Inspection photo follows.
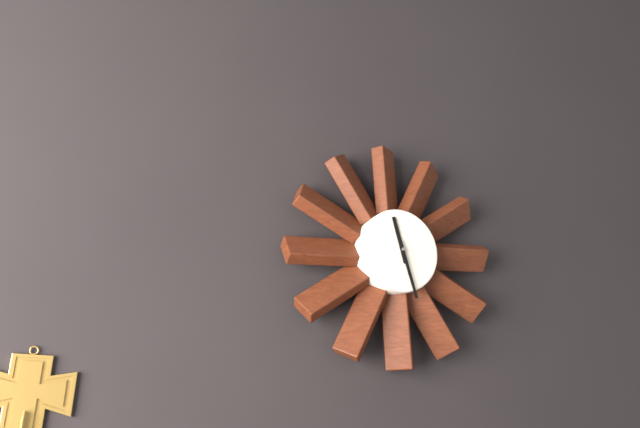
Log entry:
**11:27**
